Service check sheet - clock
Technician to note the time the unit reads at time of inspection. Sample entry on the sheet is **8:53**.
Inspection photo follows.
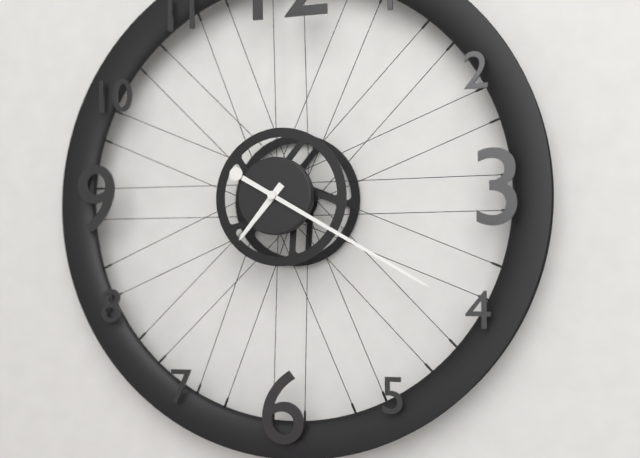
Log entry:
**7:20**
